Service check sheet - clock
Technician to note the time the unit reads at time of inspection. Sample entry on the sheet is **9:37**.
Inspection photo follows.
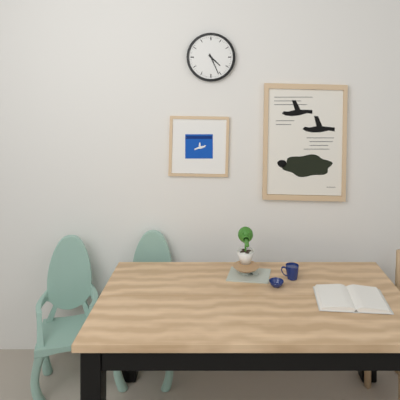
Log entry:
**4:26**
